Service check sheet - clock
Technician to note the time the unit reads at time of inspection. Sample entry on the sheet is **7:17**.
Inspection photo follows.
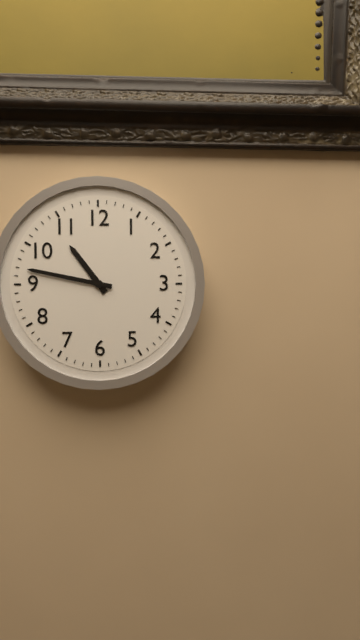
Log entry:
**10:47**
